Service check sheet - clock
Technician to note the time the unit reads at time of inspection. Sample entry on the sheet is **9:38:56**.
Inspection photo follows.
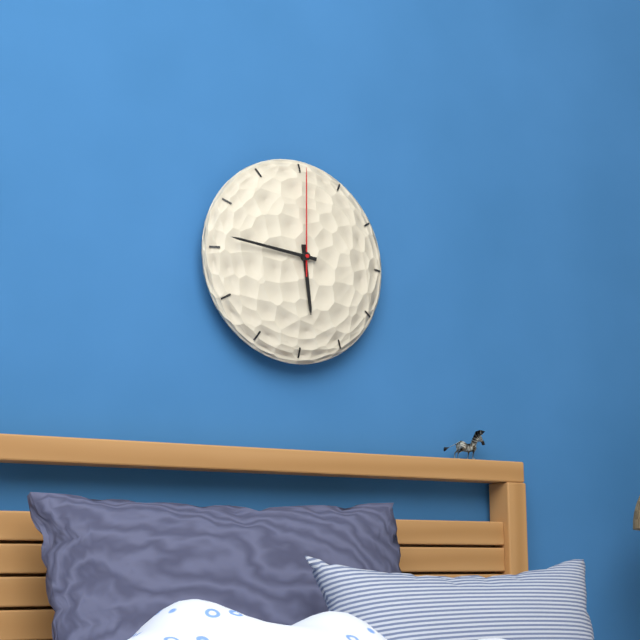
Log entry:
**5:46:00**
